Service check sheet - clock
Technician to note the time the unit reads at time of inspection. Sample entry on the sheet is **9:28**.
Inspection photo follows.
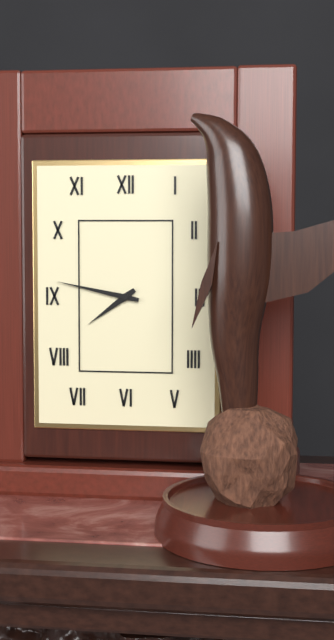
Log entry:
**7:47**
